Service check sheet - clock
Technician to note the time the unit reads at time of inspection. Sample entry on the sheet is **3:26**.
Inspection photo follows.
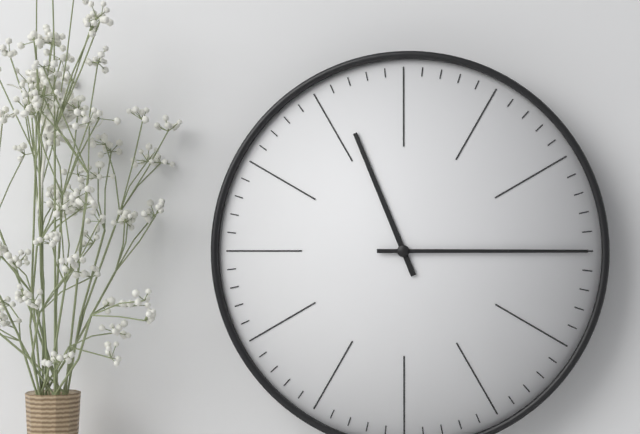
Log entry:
**11:15**
